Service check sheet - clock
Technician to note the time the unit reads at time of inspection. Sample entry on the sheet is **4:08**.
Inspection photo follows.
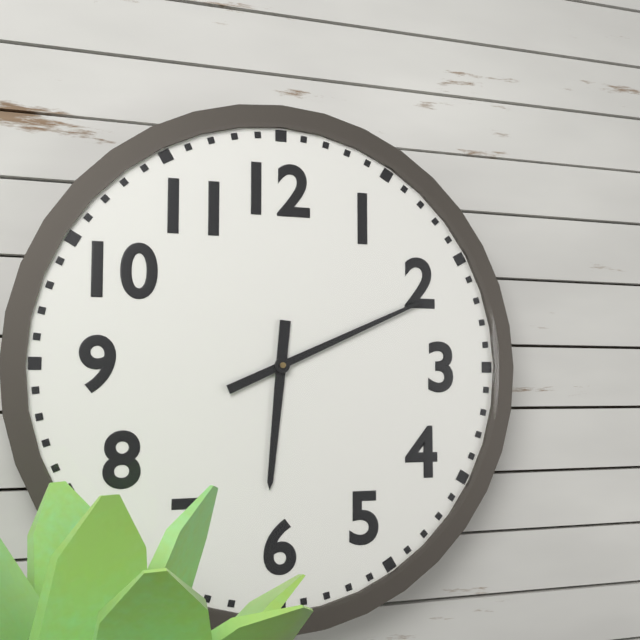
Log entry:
**6:11**
